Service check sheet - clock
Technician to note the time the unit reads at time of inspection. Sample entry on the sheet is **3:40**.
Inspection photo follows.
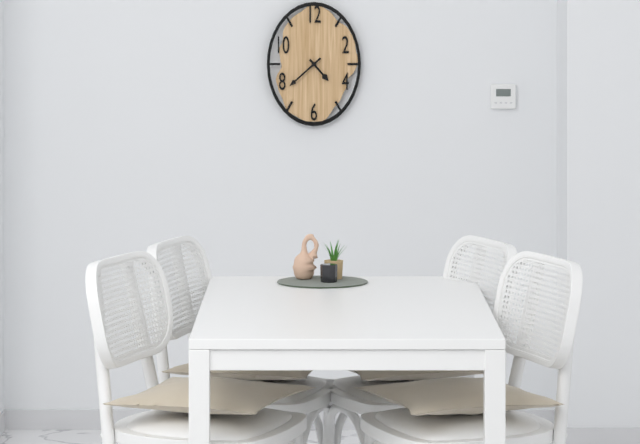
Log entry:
**4:38**
